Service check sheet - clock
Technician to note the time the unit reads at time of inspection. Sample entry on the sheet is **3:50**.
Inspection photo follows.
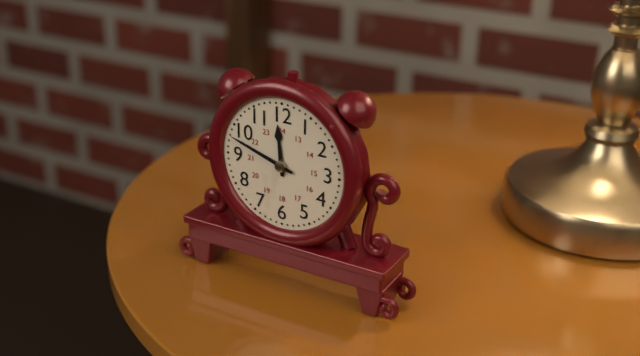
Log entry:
**11:48**
